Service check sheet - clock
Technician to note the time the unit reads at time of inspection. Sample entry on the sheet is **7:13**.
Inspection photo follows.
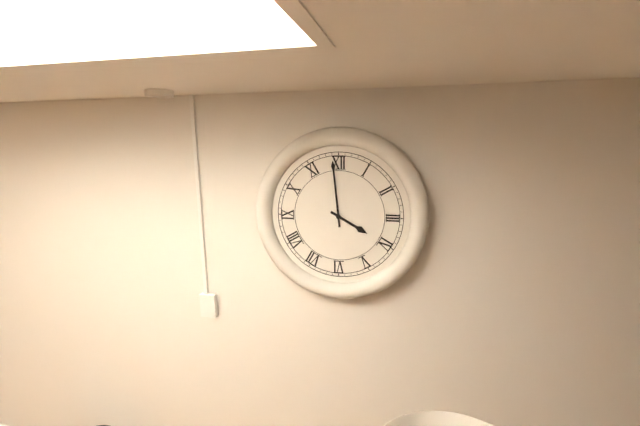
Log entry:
**3:59**
